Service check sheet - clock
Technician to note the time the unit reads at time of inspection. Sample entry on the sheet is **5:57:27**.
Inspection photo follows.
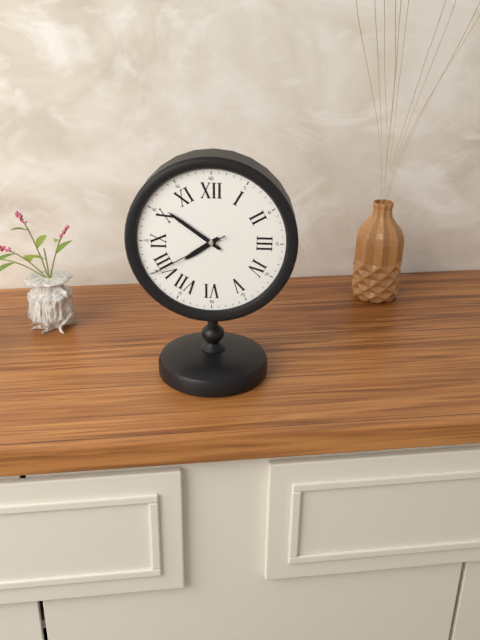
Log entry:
**7:51:40**
